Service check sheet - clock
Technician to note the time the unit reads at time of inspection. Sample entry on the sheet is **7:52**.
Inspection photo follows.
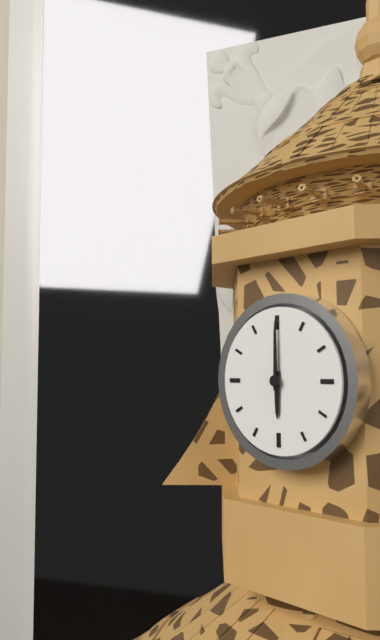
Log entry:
**6:00**
